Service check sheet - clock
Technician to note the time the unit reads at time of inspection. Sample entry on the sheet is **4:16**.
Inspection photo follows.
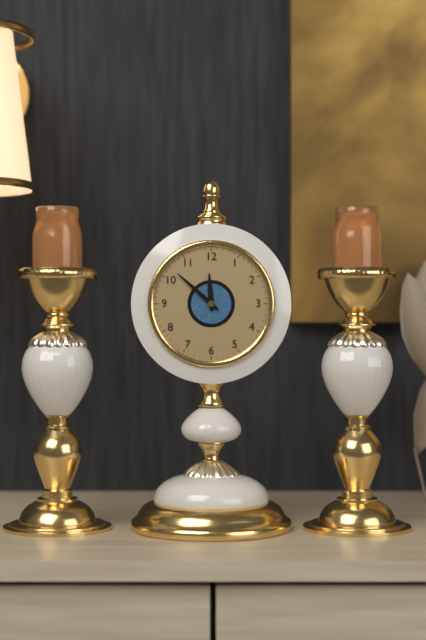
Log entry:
**11:52**
